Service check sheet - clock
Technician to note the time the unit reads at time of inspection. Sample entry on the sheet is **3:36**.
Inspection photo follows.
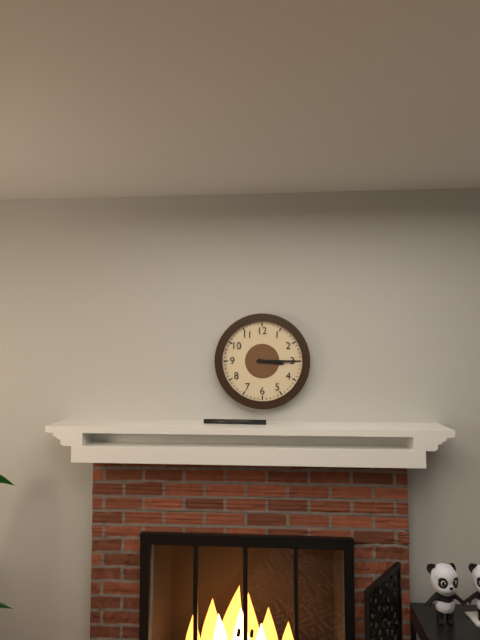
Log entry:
**3:15**
